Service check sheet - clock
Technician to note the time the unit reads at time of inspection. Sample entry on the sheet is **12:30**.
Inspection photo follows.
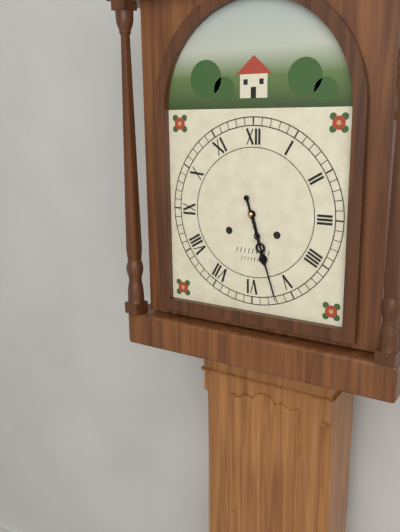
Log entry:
**5:27**
